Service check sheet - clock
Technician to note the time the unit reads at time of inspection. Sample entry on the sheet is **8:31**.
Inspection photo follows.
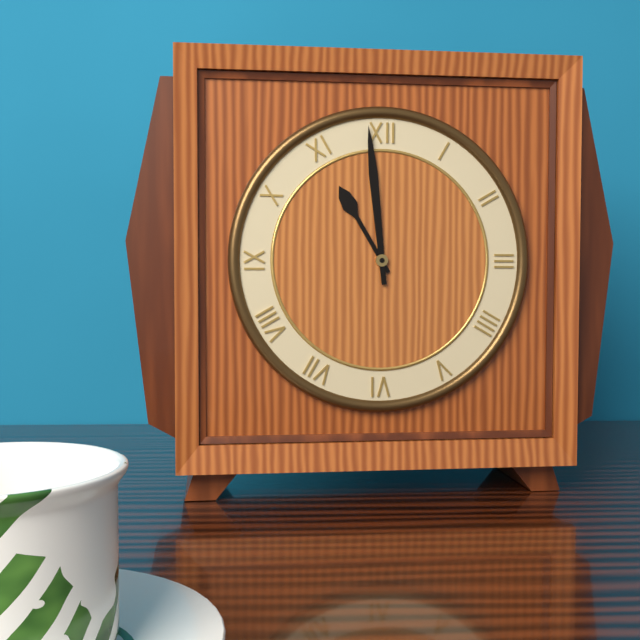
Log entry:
**10:59**
